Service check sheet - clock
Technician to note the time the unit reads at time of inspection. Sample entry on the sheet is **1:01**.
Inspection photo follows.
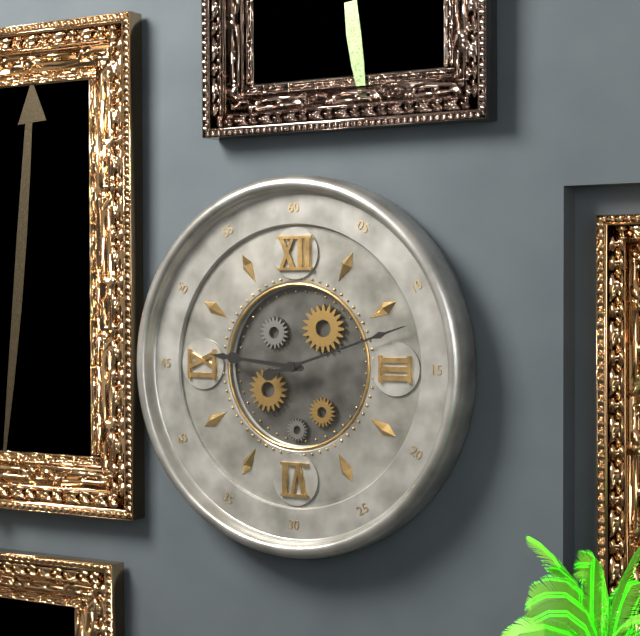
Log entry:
**9:12**
